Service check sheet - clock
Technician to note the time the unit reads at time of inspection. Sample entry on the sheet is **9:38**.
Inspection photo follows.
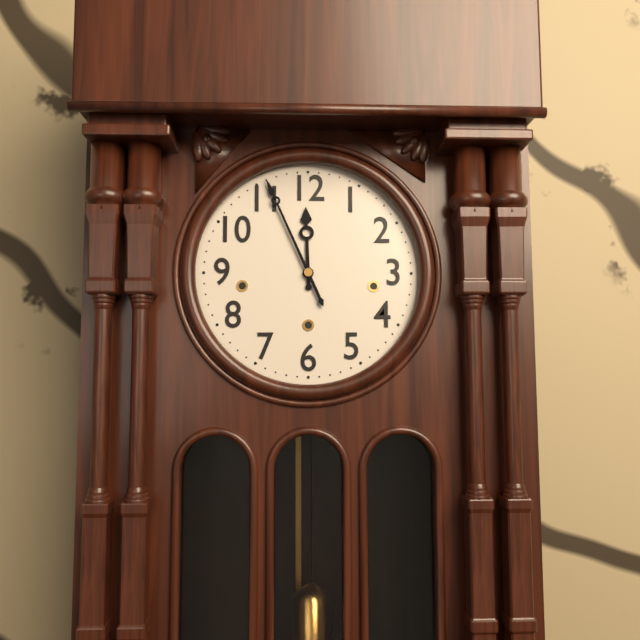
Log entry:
**11:56**
